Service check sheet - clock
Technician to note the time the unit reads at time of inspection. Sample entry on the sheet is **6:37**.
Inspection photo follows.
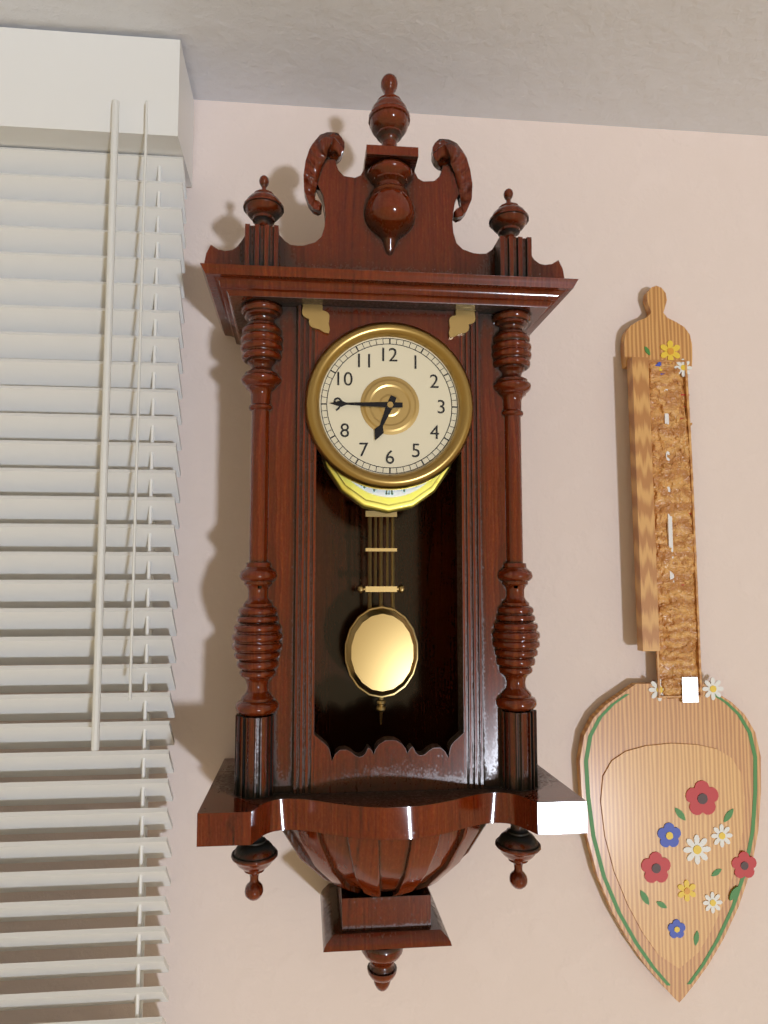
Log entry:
**6:45**
